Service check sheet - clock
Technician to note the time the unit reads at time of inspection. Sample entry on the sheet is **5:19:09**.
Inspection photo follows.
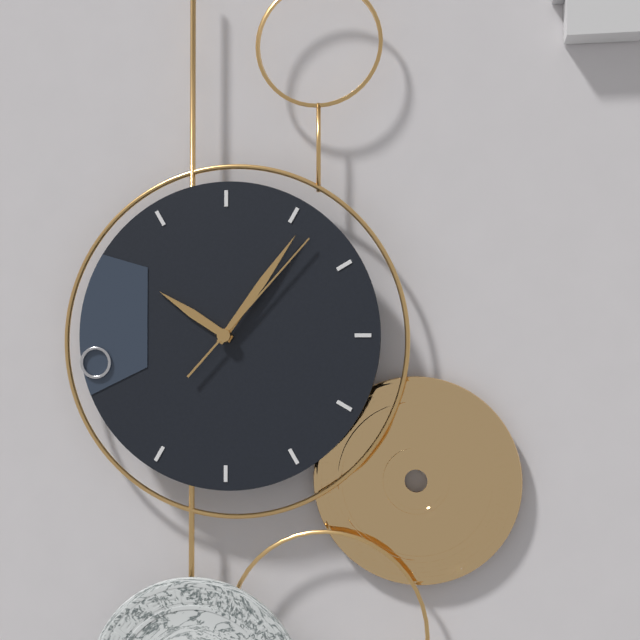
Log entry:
**10:06:07**
